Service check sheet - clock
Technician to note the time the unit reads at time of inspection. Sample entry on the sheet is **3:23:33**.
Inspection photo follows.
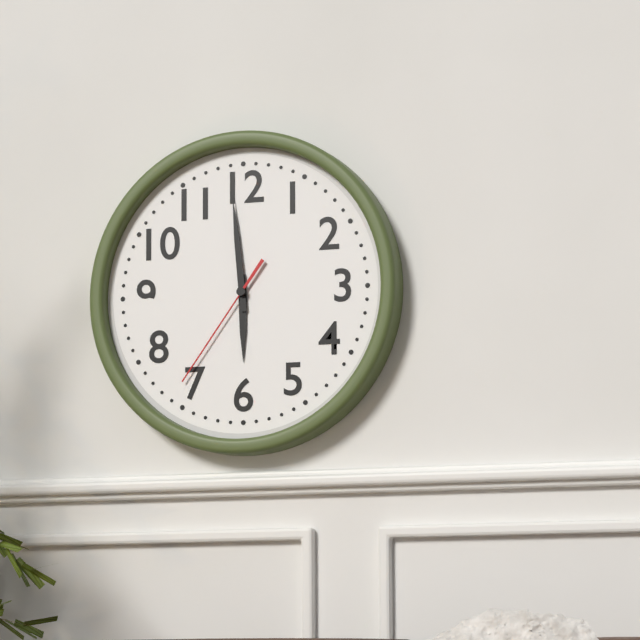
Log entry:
**5:59:36**
